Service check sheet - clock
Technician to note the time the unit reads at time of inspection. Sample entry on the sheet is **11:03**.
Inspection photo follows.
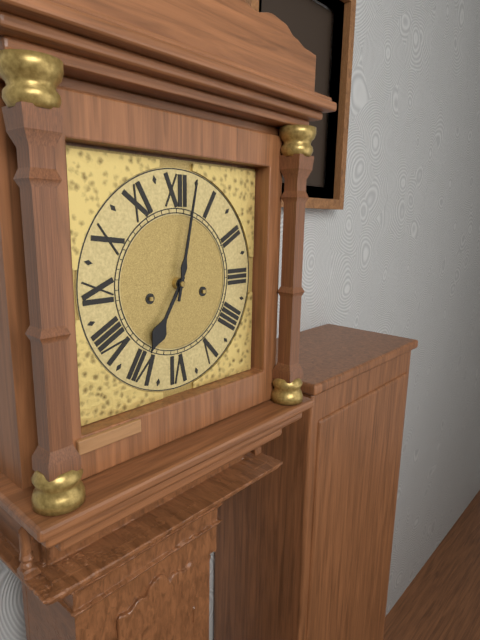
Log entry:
**7:02**
